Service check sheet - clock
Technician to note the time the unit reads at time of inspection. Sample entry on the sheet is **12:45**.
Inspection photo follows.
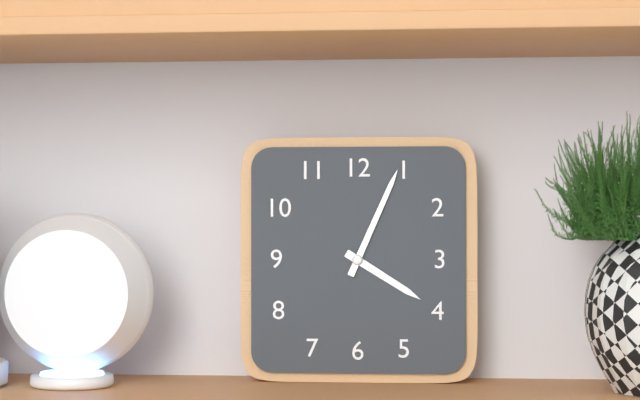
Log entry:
**4:04**
